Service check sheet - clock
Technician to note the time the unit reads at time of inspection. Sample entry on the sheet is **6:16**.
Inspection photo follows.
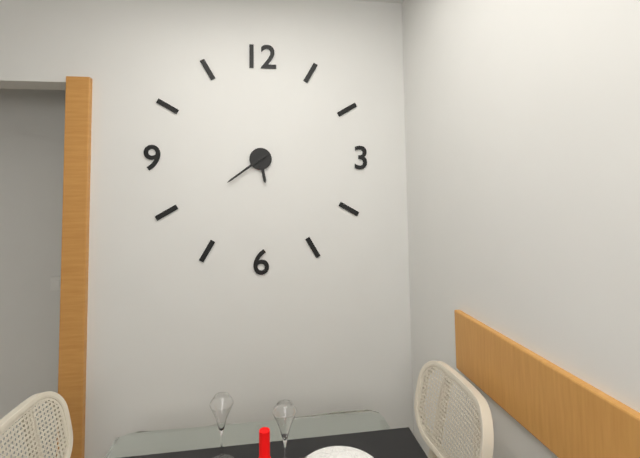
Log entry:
**5:39**
